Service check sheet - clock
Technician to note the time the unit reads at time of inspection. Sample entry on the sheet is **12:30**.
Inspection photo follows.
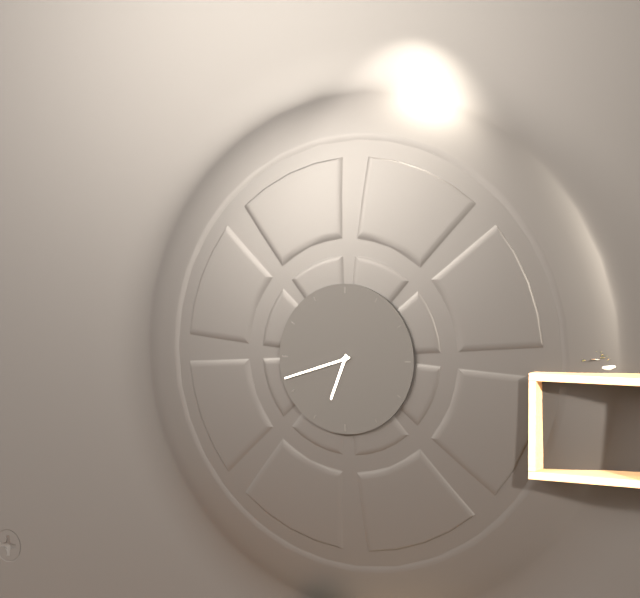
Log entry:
**6:42**
